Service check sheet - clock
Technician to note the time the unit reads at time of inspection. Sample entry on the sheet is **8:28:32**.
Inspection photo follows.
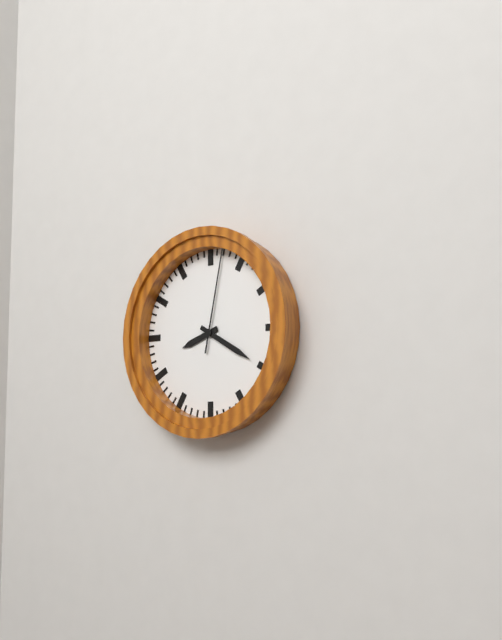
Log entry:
**8:20:02**
